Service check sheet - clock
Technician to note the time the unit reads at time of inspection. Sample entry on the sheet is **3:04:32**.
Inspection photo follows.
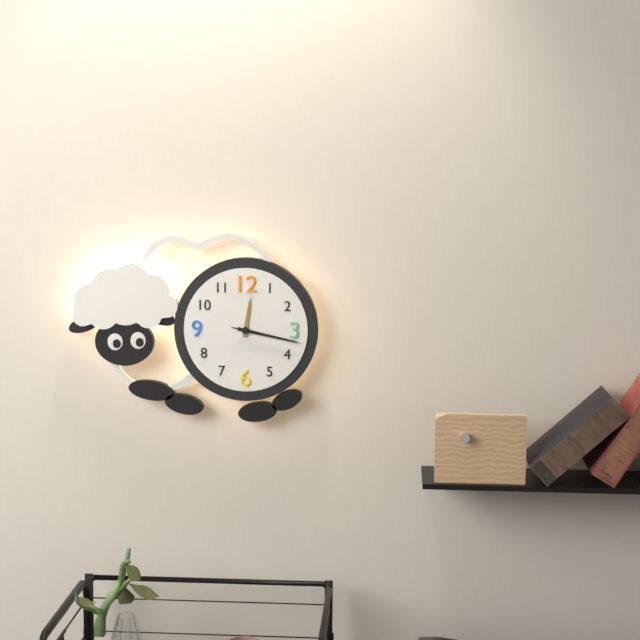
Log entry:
**12:17:17**
